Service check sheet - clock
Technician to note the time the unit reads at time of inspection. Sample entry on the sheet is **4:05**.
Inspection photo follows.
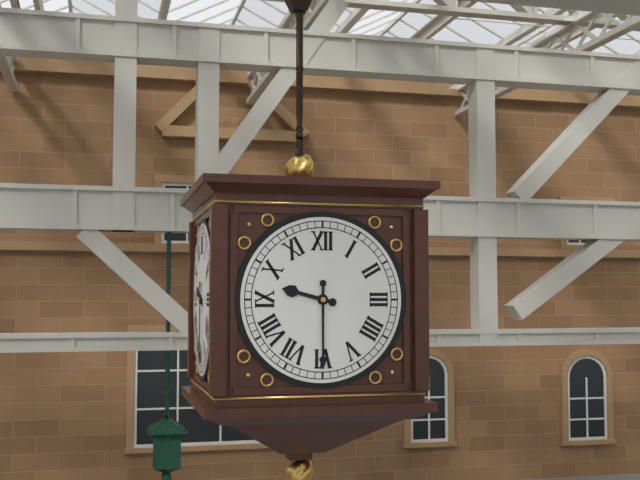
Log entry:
**9:30**
